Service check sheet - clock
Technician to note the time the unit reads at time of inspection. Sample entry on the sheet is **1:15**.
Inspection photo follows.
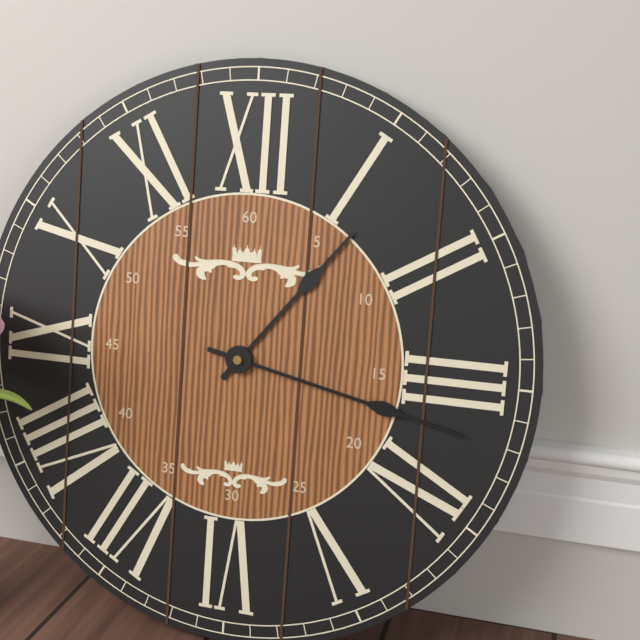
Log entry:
**1:17**
